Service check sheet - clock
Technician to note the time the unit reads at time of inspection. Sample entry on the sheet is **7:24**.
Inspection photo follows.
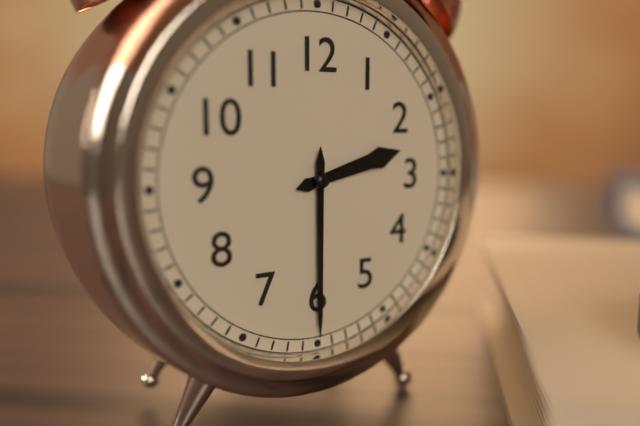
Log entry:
**2:30**
